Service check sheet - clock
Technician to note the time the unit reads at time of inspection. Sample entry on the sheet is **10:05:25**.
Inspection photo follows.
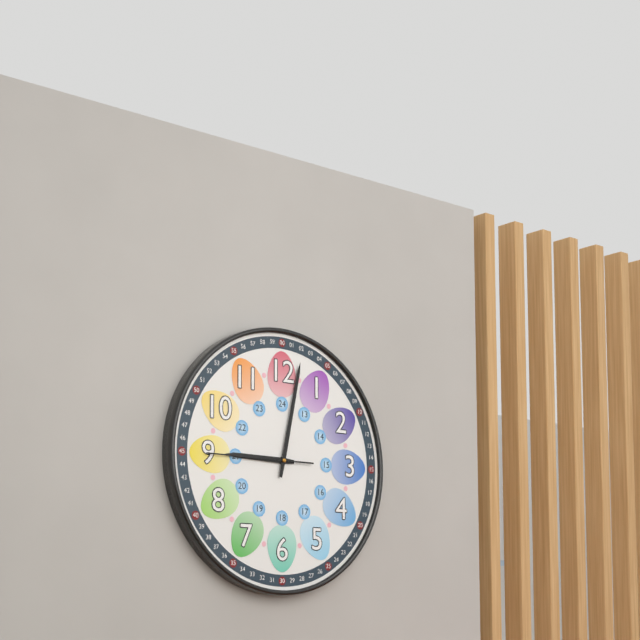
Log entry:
**9:02:45**
